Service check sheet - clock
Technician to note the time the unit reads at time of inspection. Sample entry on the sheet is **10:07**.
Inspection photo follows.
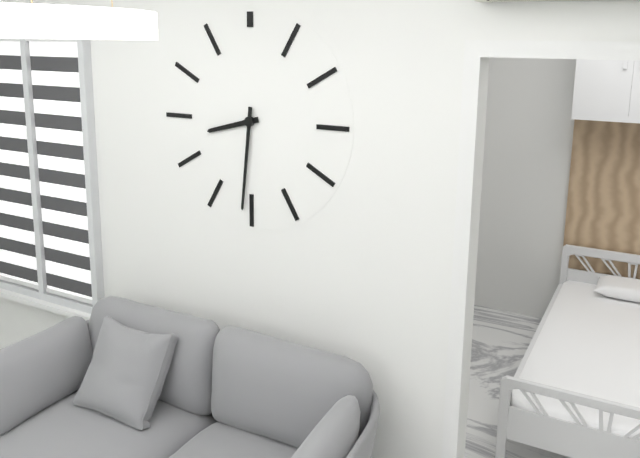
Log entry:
**8:31**
